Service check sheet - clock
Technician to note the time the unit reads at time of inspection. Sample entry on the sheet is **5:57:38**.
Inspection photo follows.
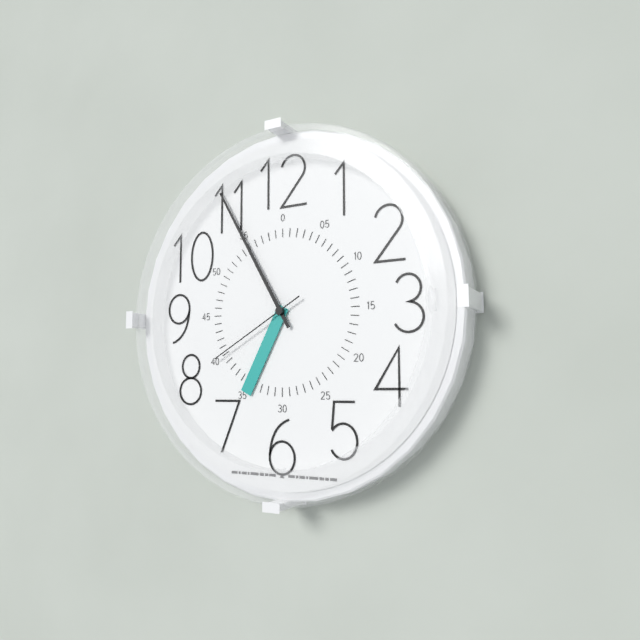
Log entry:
**6:55:40**
